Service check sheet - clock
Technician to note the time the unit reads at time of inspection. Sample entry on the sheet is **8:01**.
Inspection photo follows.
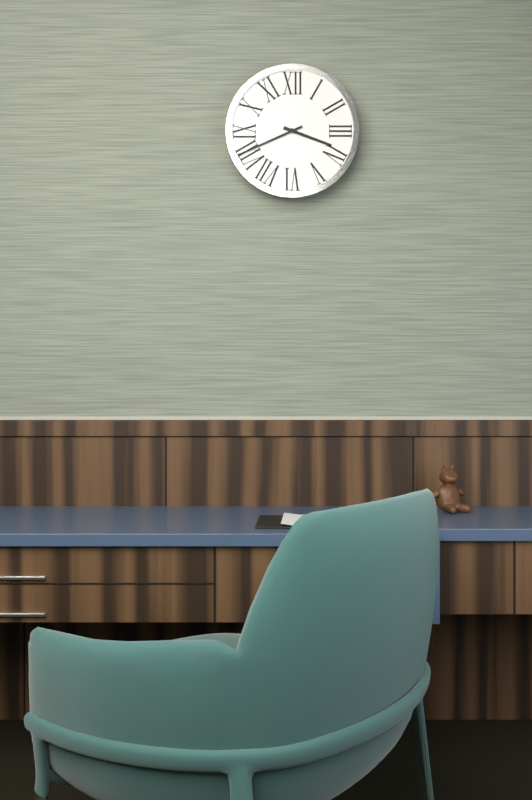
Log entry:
**3:41**
